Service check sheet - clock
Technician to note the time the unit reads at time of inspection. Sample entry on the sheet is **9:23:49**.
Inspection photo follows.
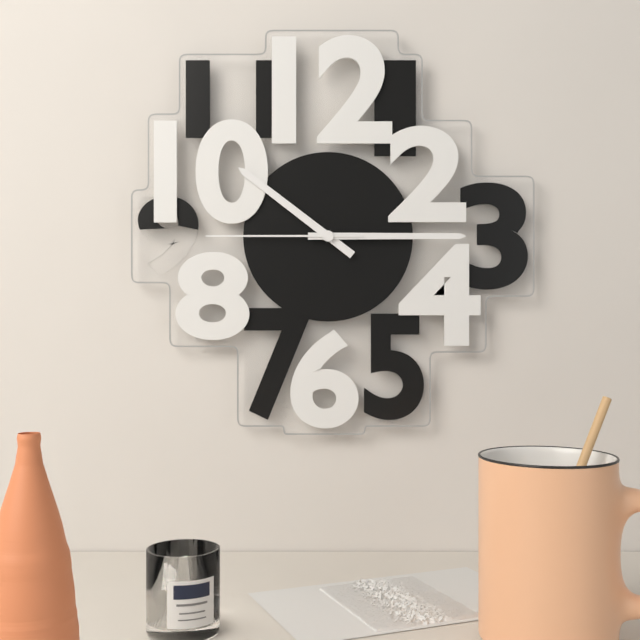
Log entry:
**10:15:45**
